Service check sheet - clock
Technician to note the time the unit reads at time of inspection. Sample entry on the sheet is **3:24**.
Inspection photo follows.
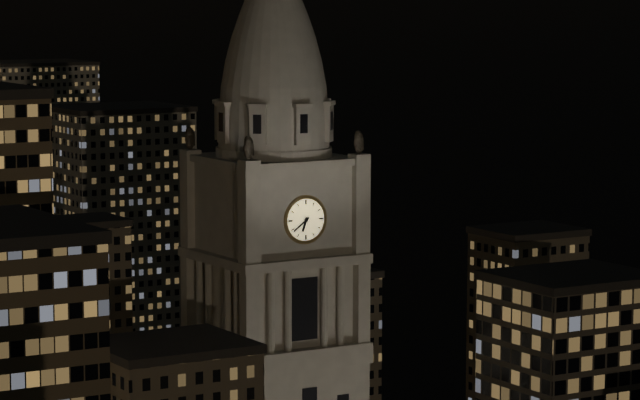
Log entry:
**6:39**
